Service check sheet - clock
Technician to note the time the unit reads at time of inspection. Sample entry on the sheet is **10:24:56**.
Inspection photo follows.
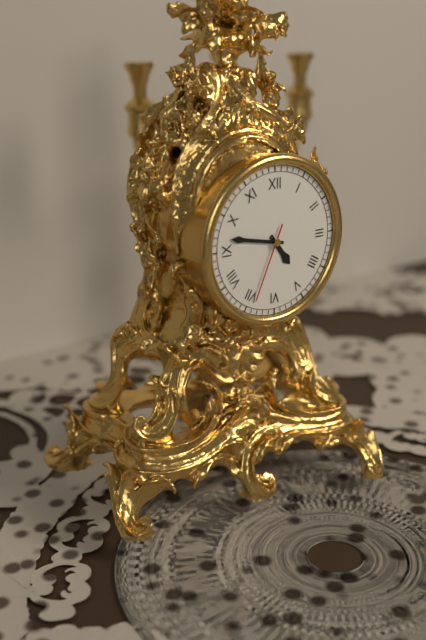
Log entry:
**4:47:34**
